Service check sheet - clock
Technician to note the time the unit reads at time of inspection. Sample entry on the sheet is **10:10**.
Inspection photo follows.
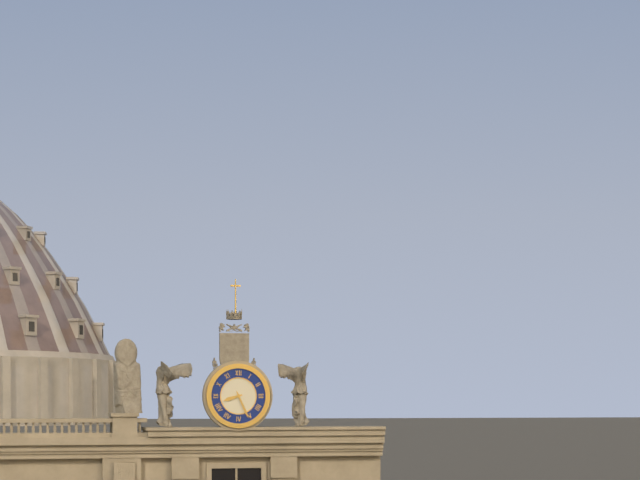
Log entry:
**8:26**
